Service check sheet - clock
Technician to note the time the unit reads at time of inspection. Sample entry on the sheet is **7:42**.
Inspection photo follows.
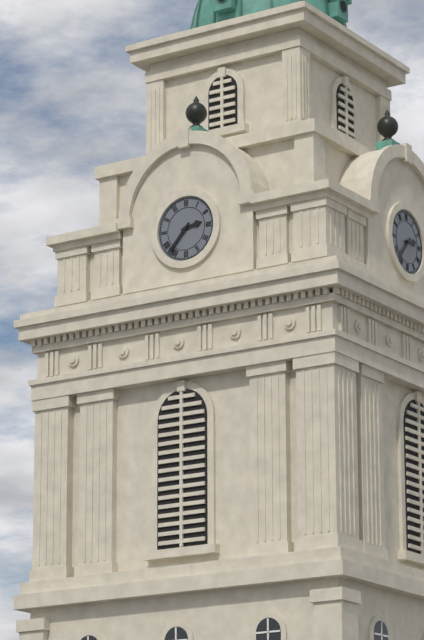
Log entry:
**2:37**
